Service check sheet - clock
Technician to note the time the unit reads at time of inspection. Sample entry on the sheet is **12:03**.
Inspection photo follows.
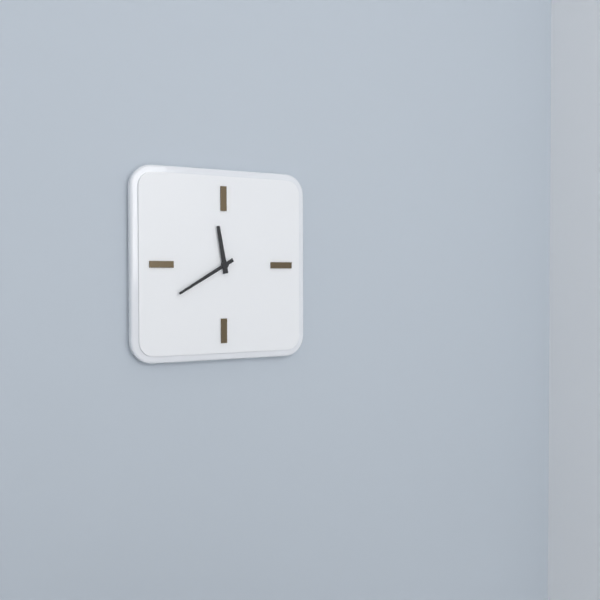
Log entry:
**11:40**
